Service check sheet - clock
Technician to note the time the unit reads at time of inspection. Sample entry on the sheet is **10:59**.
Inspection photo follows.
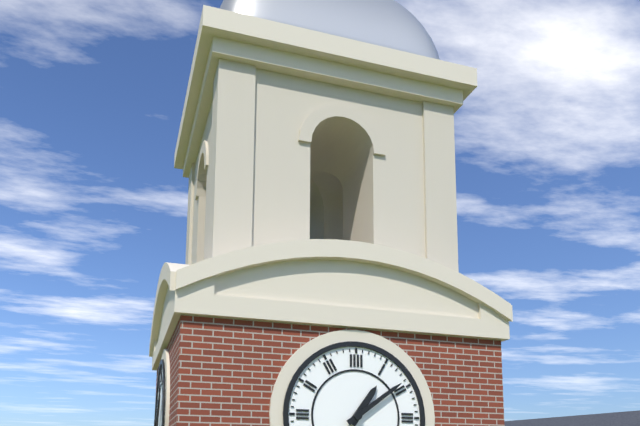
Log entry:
**1:09**
